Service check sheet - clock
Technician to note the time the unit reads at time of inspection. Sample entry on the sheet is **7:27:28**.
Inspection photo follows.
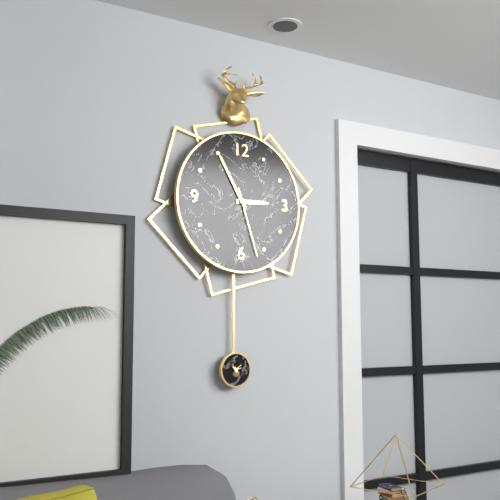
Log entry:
**2:55:27**
